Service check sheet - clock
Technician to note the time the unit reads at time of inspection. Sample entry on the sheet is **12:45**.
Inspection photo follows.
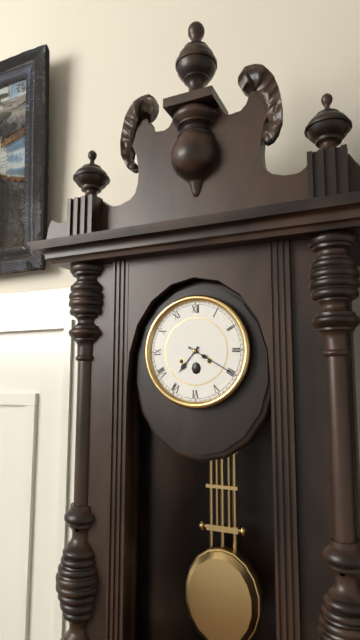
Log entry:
**7:20**
